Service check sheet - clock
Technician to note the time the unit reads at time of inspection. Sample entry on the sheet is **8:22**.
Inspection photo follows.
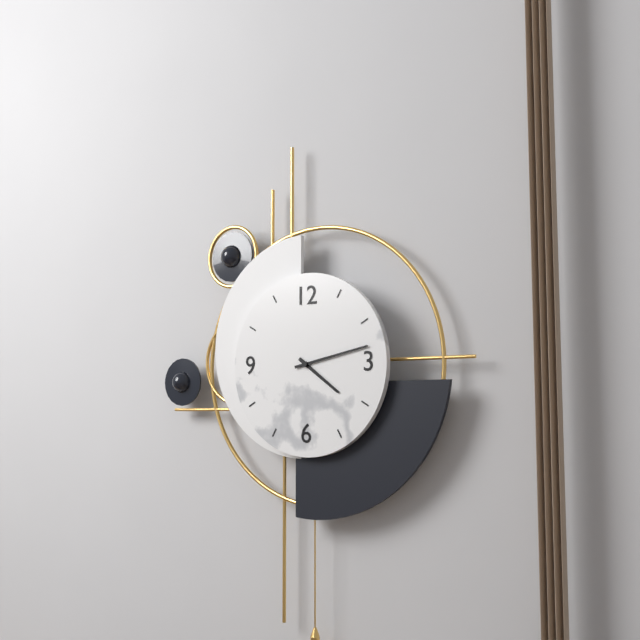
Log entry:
**4:13**
